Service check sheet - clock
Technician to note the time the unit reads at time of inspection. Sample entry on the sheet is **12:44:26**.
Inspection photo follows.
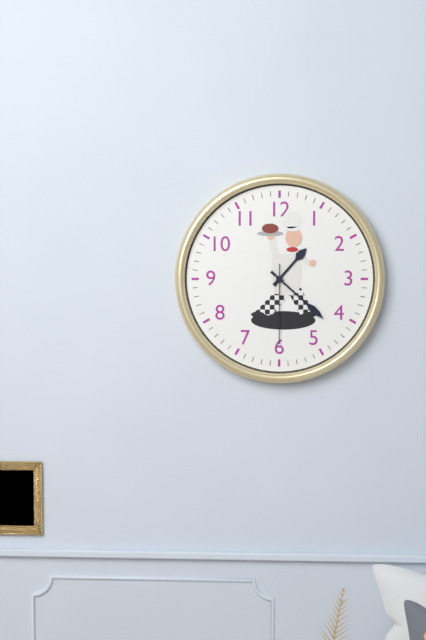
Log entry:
**1:22:30**
